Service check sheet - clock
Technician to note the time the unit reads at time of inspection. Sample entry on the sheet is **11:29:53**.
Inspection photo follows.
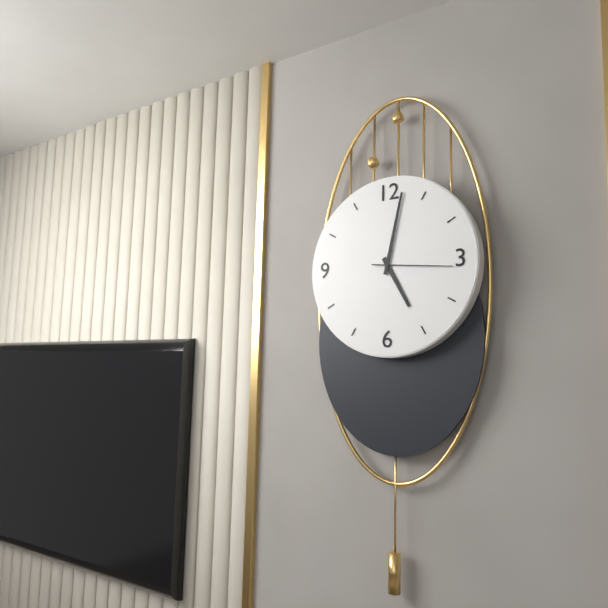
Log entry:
**5:02:16**
